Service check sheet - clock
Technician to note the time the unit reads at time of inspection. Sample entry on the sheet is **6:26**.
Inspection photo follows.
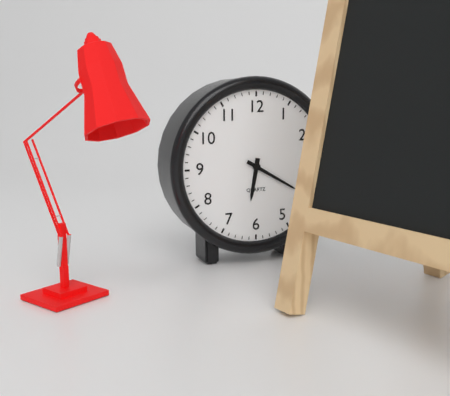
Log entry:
**6:20**
